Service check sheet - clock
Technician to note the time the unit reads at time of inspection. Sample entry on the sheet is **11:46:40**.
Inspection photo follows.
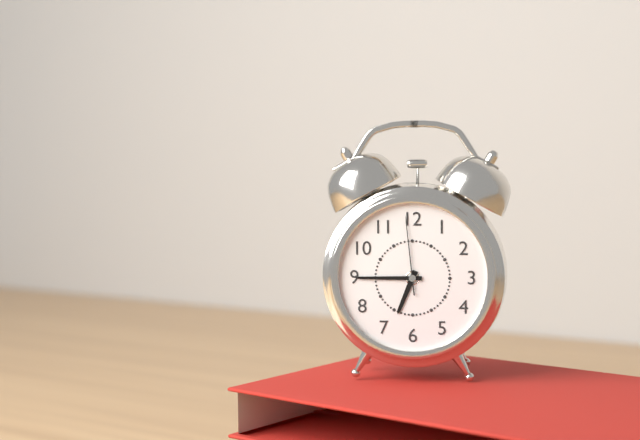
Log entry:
**6:45:59**
